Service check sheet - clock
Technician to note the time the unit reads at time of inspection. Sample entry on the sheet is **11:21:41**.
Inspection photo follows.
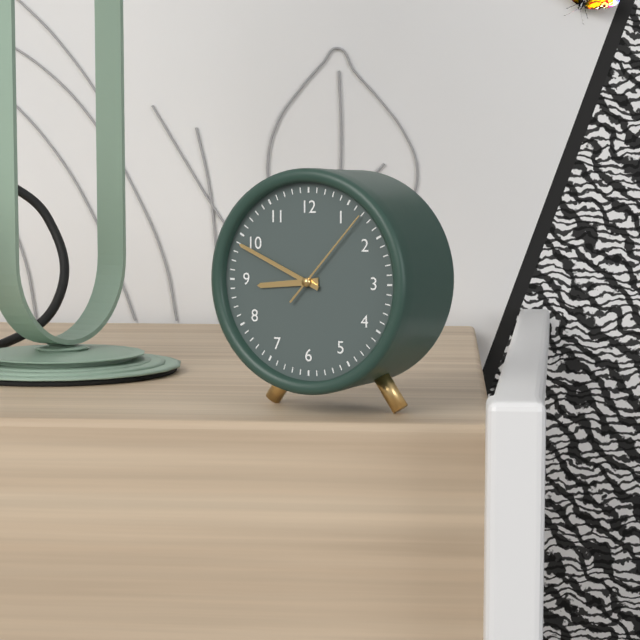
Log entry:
**8:49:07**
